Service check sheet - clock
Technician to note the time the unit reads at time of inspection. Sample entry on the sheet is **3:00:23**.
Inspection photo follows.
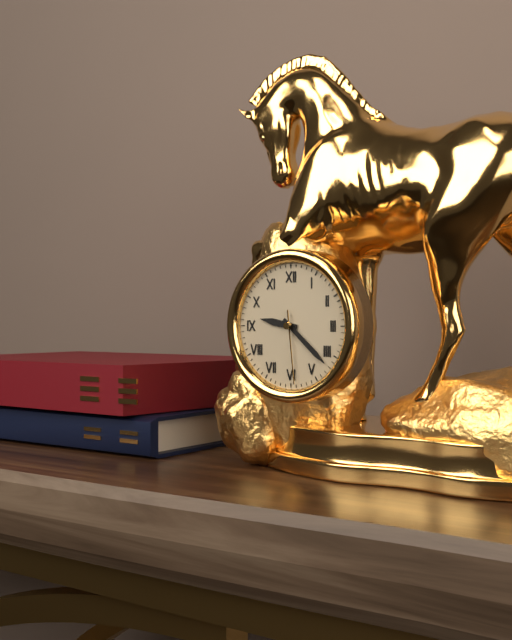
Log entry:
**9:22:29**
